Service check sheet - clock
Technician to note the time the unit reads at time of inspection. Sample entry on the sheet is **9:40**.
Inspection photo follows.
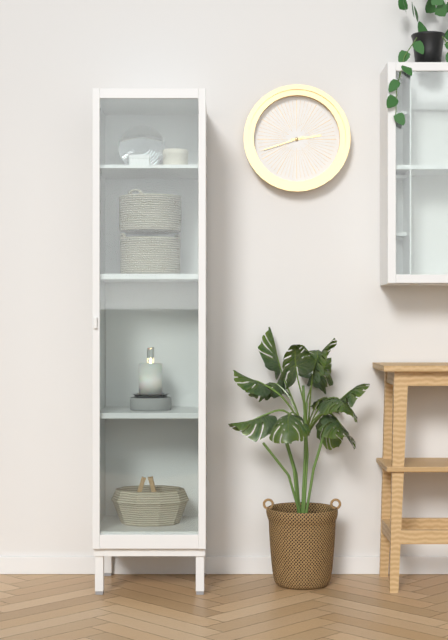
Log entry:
**2:42**
